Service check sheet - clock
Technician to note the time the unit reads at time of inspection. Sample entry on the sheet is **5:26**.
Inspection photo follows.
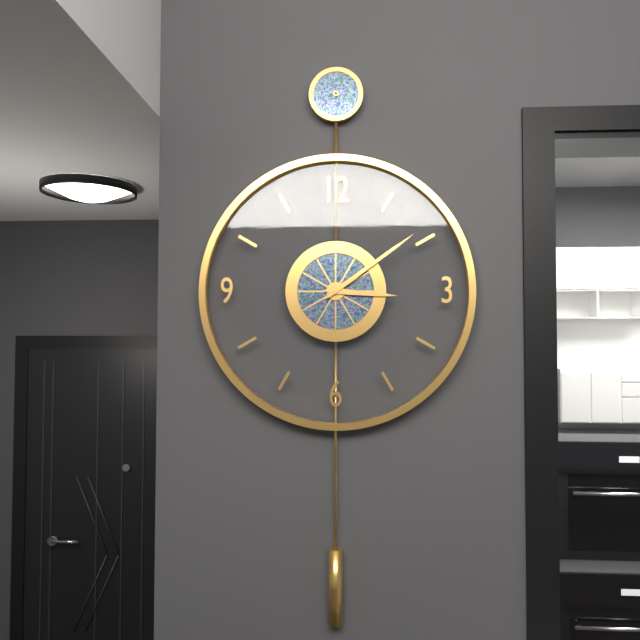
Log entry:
**3:09**
